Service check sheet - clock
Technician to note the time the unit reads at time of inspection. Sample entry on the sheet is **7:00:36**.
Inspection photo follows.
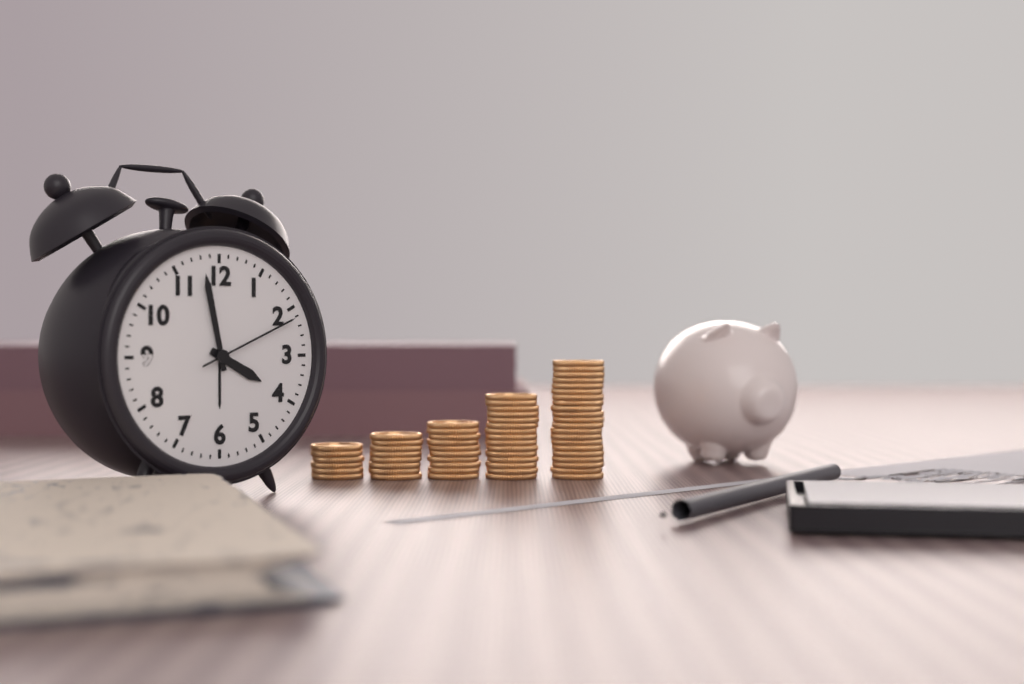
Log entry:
**3:58:11**
